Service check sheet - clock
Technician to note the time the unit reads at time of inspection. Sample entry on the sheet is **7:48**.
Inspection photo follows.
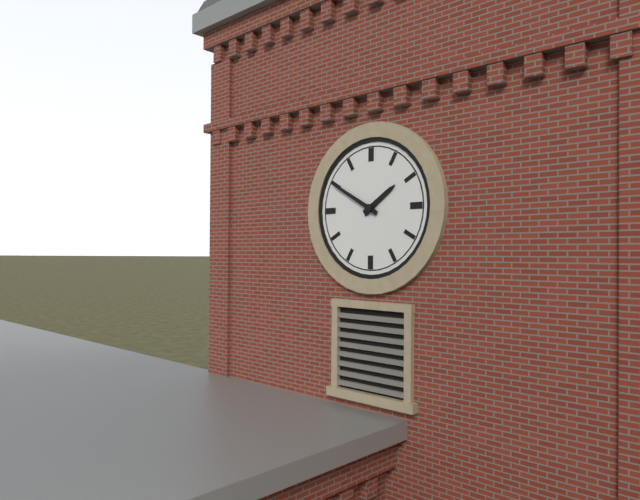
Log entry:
**1:50**
